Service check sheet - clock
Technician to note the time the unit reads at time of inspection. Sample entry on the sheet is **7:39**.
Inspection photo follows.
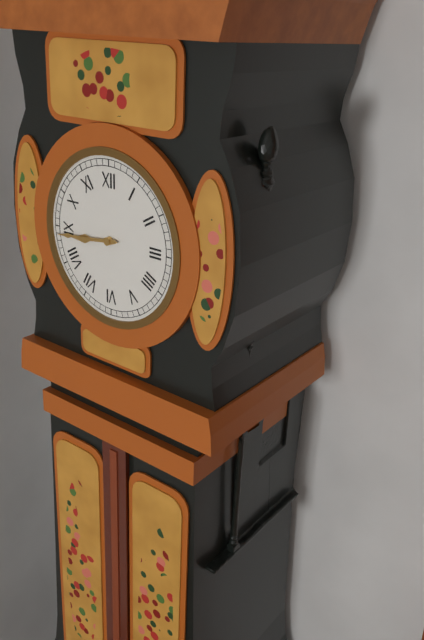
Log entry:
**8:44**
